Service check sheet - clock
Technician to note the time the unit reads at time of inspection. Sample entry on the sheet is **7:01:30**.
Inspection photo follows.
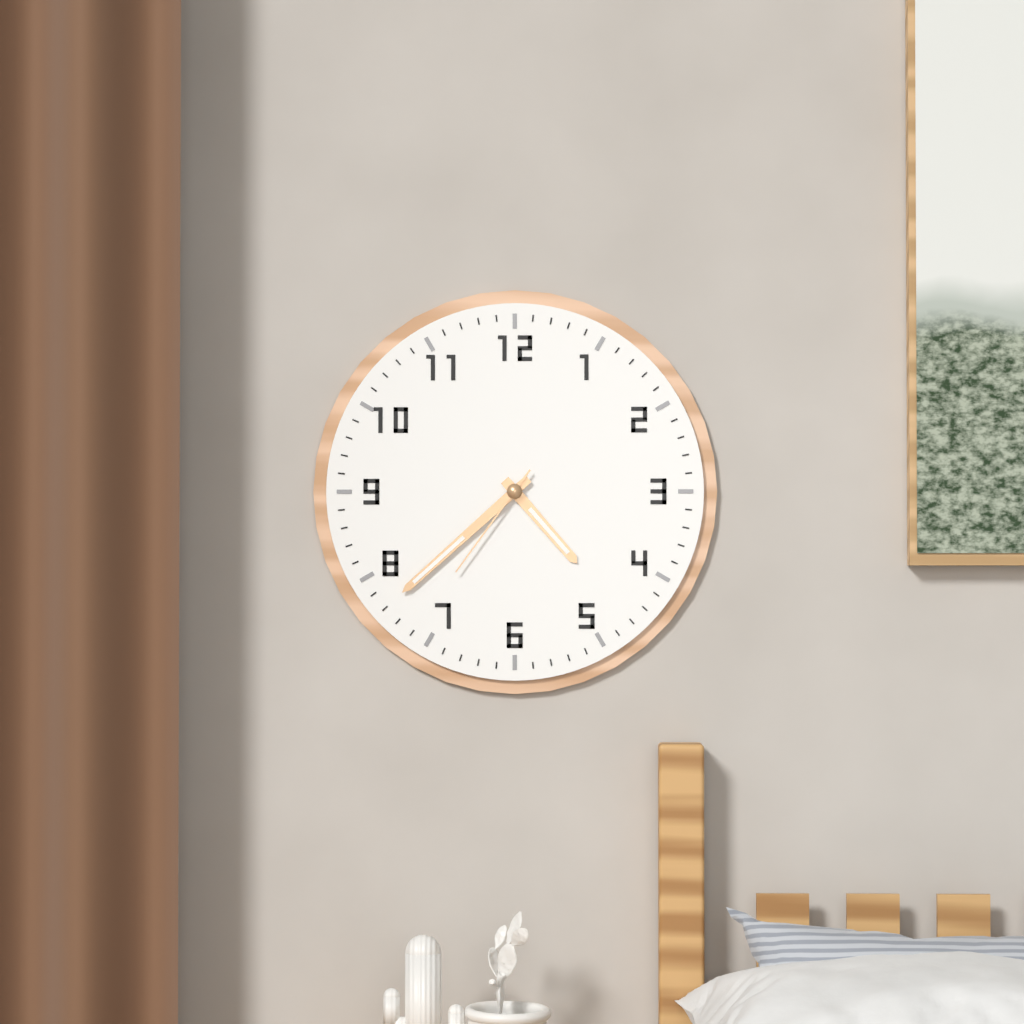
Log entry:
**4:38:36**
